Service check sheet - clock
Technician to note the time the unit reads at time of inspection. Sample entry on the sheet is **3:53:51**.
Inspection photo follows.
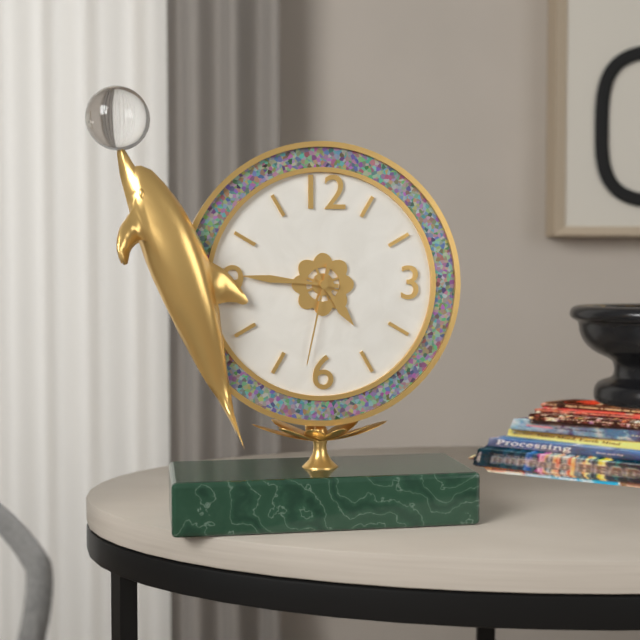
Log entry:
**4:46:32**
